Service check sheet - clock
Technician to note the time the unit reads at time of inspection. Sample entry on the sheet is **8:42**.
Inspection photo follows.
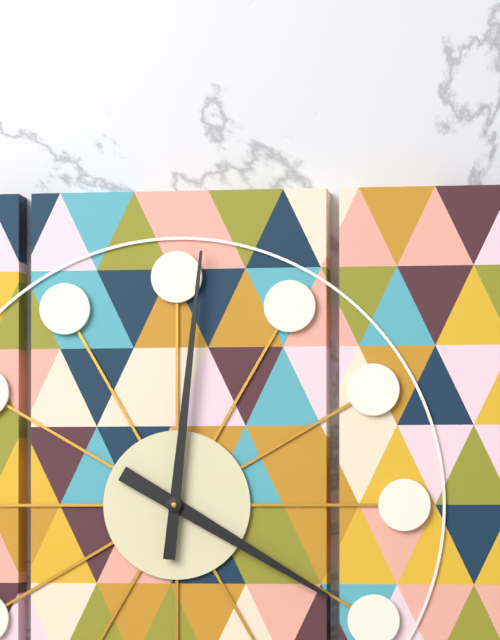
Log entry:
**4:01**
